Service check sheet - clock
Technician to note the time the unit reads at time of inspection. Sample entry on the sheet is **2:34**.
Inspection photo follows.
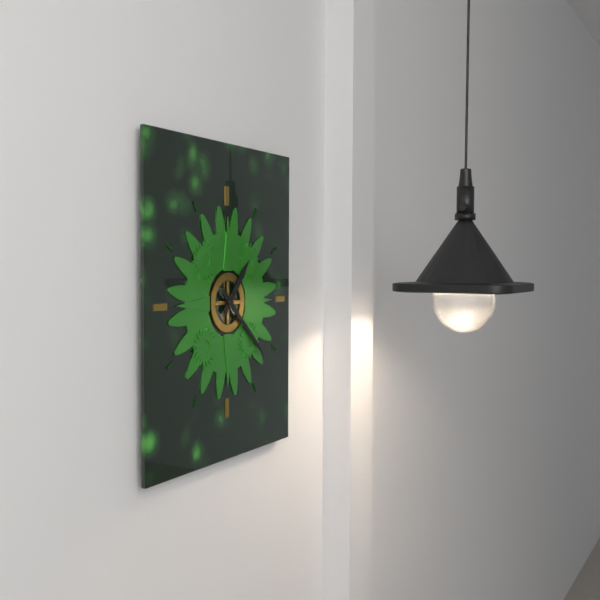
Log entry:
**1:22**
